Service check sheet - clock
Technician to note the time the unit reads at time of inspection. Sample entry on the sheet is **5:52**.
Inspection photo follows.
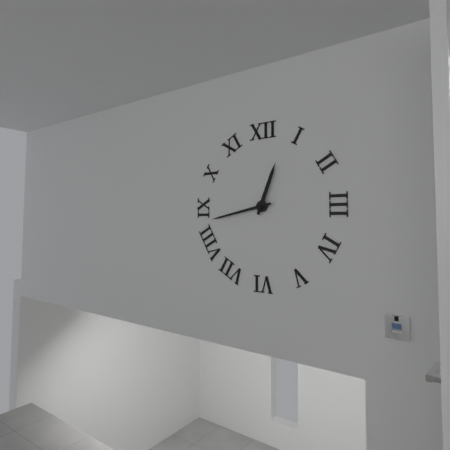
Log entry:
**12:43**
